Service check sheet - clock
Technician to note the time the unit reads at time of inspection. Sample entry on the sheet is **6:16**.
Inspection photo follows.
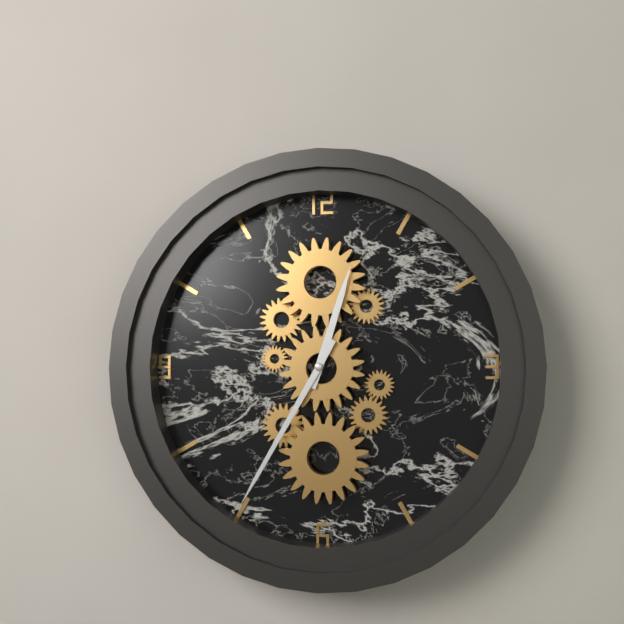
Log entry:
**12:35**
